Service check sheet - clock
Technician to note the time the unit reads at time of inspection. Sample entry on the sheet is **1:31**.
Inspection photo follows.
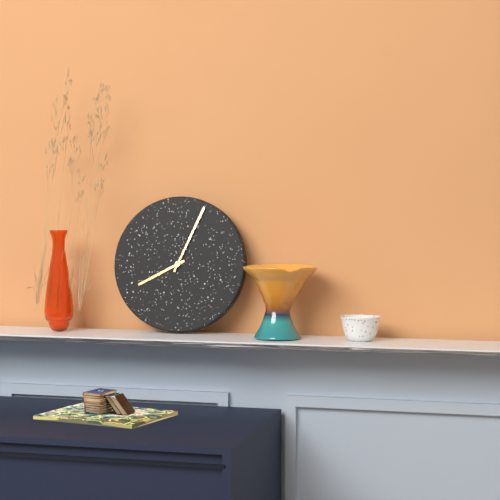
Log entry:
**8:04**
